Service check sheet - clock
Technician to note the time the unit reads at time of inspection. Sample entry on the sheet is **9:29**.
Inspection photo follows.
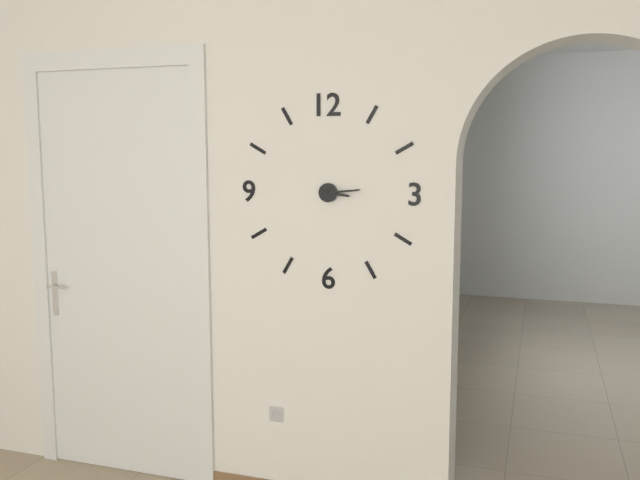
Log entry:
**3:14**
